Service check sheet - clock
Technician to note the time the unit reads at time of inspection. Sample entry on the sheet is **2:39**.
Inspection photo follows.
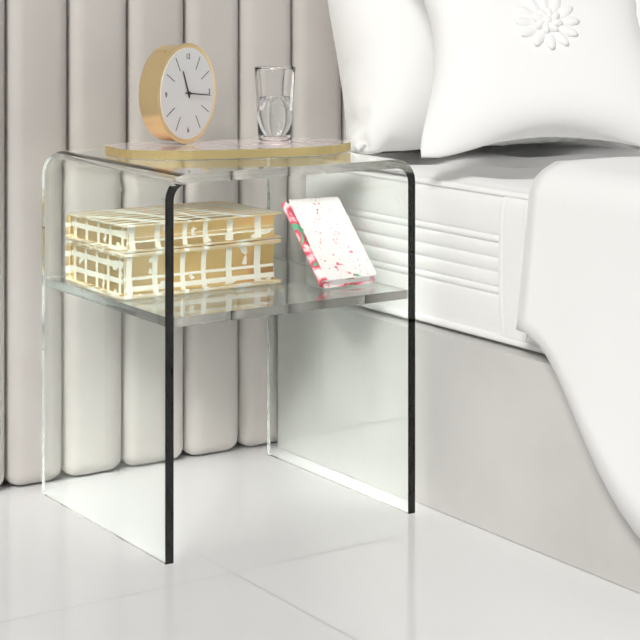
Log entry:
**11:16**
